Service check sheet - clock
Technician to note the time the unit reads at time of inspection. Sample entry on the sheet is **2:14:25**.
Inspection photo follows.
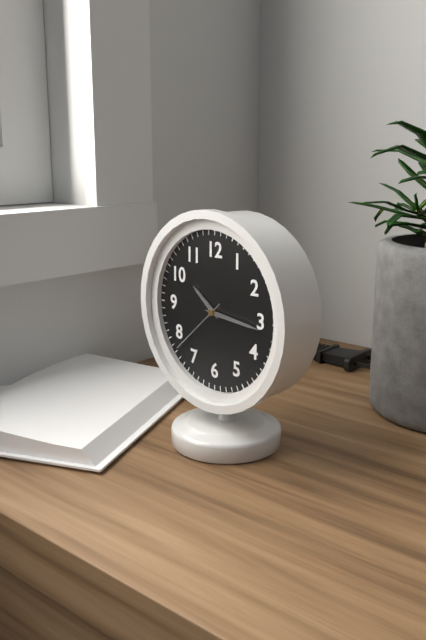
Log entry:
**10:16:38**
